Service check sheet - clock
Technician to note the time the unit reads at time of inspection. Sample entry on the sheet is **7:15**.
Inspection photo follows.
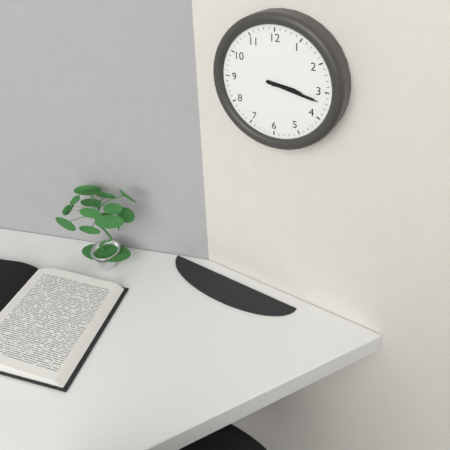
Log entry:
**3:17**
